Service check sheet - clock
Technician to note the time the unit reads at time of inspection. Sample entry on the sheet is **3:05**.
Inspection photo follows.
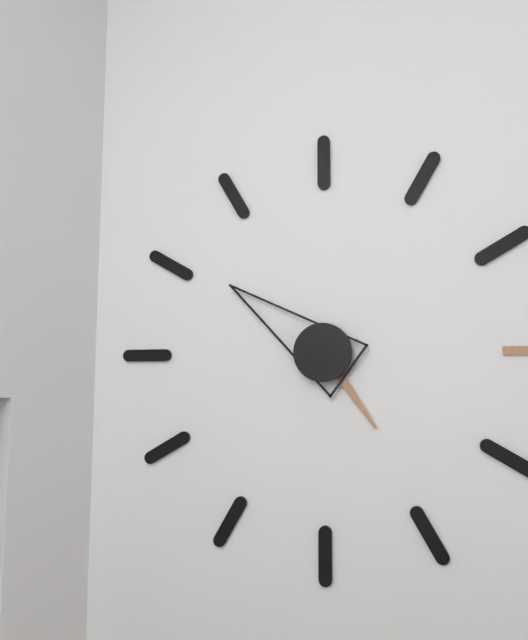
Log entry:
**4:51**
